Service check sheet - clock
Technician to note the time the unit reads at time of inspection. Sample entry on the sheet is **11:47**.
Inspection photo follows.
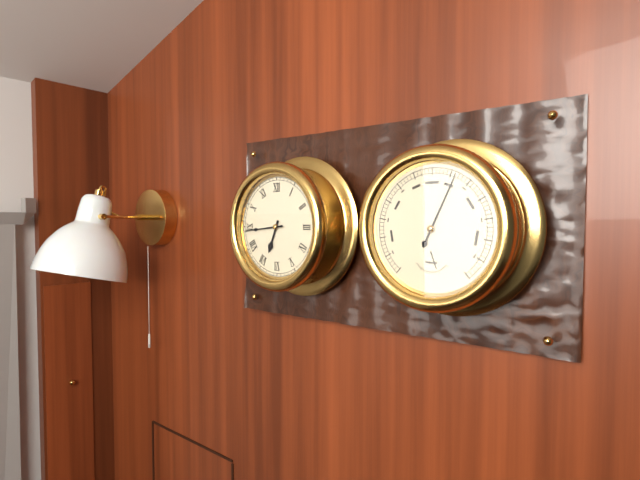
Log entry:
**6:44**
